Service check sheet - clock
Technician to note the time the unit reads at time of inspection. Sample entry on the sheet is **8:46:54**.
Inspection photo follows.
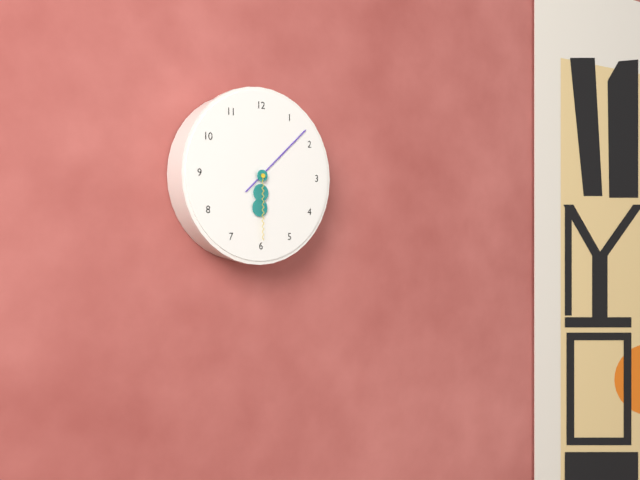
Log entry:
**6:08:30**
